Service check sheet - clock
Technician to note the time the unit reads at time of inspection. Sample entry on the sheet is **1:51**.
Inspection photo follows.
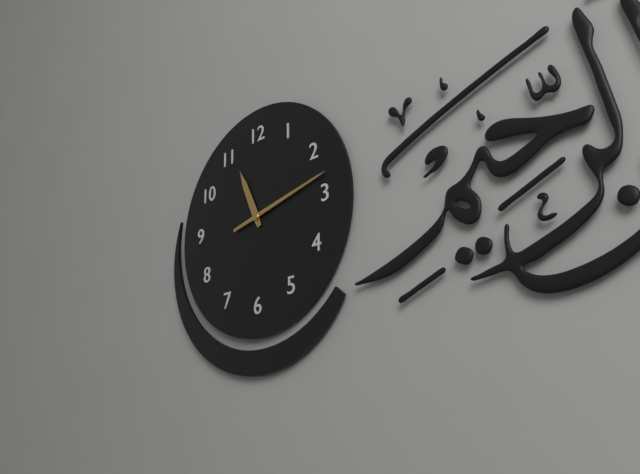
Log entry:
**11:13**
